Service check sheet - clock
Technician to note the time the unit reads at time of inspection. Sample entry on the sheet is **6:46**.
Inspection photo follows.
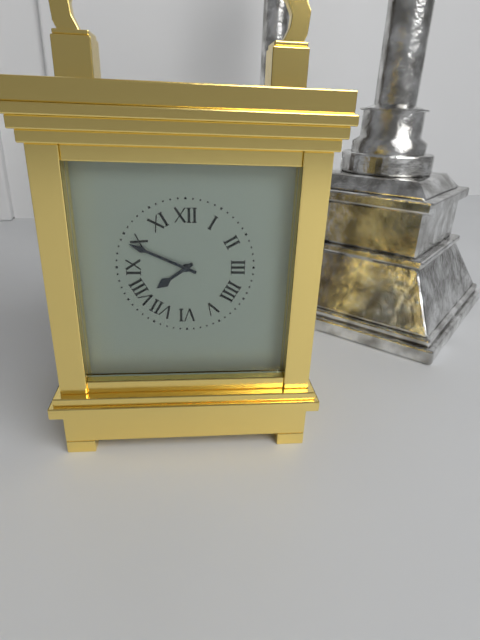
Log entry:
**7:49**
